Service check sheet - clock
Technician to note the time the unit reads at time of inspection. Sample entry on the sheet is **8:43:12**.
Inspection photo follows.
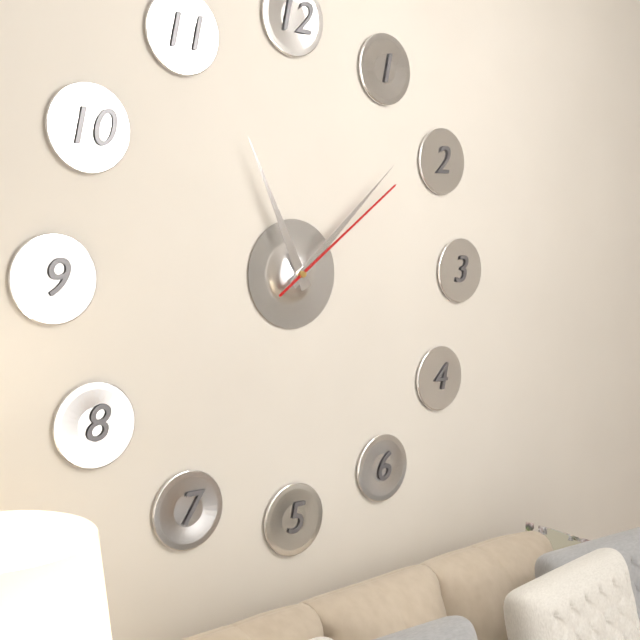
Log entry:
**11:08:09**
